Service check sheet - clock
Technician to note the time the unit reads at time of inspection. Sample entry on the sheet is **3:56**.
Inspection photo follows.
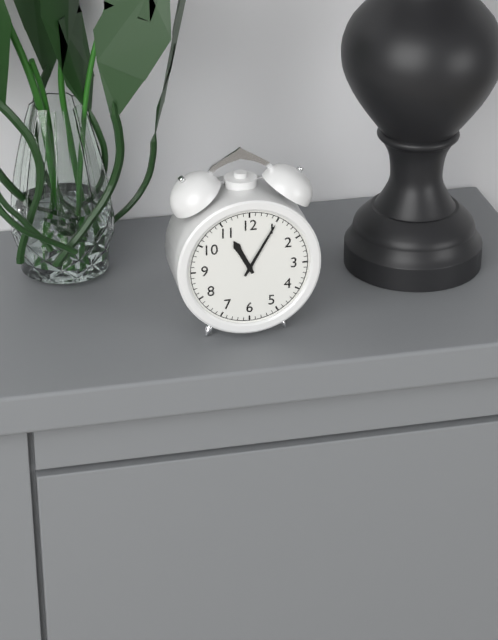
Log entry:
**11:05**
